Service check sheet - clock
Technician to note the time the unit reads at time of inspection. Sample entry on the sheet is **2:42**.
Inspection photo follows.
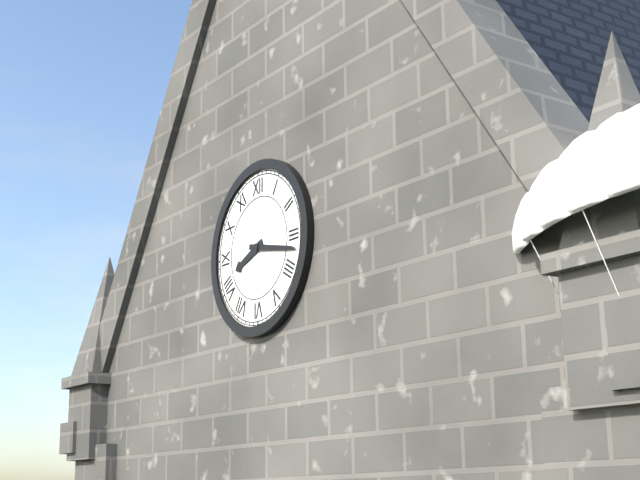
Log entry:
**8:17**
